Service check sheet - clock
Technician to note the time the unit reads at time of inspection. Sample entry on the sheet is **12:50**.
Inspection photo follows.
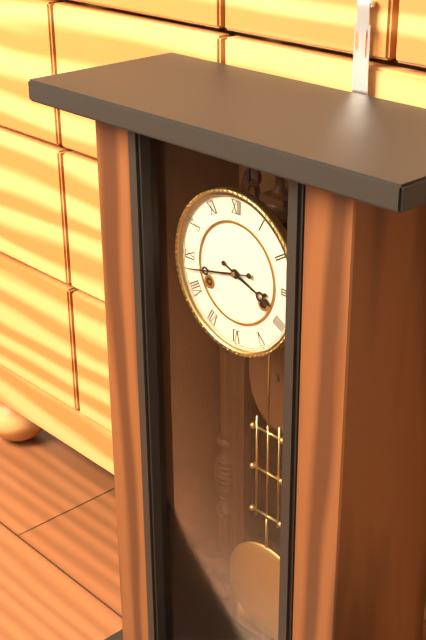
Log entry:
**3:43**
